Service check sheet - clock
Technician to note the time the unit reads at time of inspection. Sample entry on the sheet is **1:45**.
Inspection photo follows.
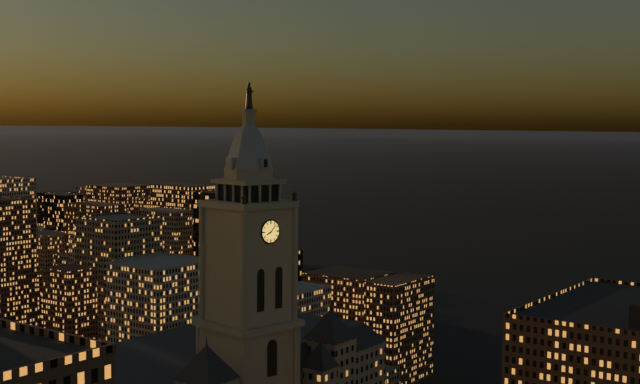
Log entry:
**8:07**
